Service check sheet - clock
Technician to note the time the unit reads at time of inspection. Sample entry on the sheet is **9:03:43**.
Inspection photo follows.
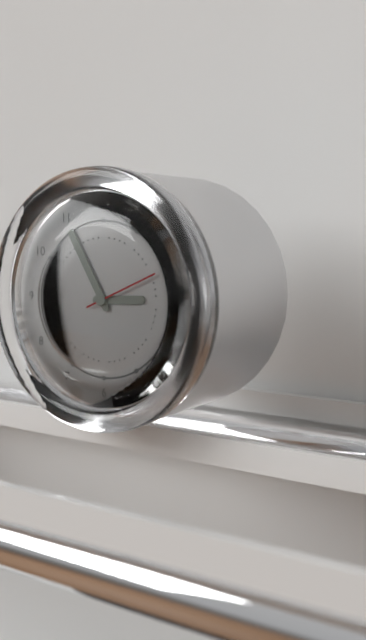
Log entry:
**2:55:11**
